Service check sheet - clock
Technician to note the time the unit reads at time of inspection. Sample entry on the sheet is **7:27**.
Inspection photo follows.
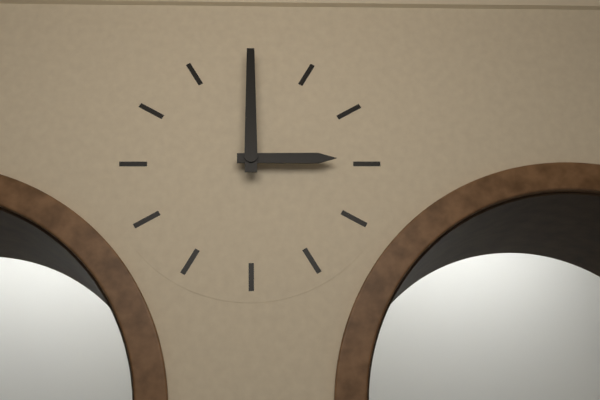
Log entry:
**3:00**
